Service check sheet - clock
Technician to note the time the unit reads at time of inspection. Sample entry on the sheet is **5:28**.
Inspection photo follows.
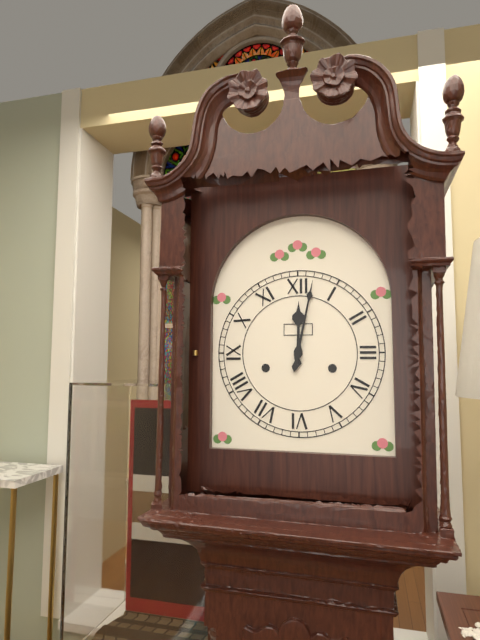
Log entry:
**12:02**
